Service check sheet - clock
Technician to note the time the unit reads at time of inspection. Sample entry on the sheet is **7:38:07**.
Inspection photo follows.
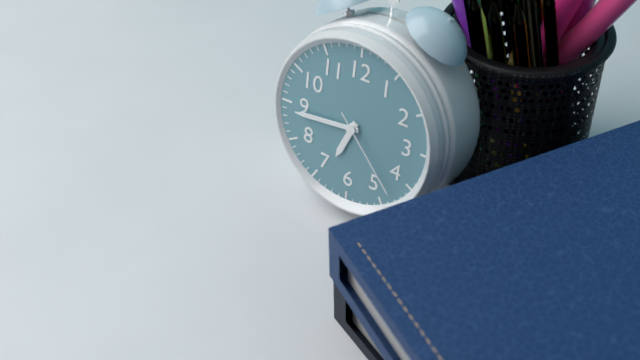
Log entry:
**6:44:23**
